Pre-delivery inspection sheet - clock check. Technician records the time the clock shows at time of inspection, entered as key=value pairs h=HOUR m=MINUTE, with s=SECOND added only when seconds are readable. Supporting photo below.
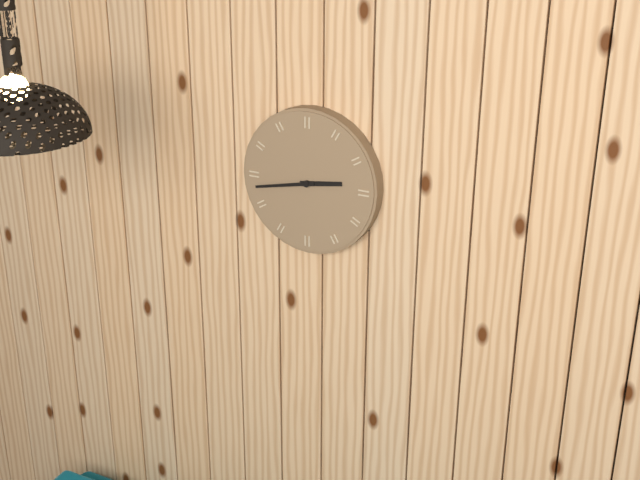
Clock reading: h=2 m=43
